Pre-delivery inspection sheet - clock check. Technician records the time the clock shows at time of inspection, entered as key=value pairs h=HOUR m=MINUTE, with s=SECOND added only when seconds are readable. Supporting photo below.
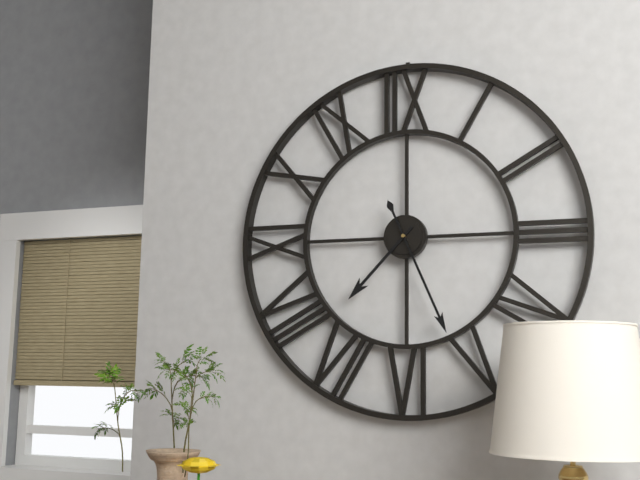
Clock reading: h=7 m=26
